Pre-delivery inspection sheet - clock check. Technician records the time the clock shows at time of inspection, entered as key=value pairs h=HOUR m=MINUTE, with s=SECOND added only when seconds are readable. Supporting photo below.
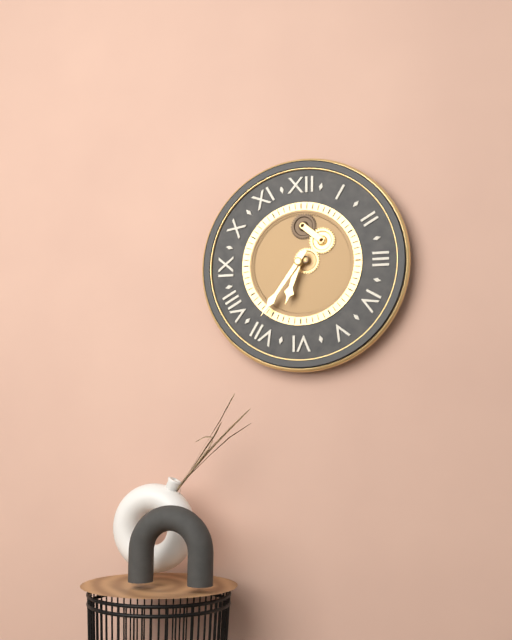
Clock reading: h=6 m=36
